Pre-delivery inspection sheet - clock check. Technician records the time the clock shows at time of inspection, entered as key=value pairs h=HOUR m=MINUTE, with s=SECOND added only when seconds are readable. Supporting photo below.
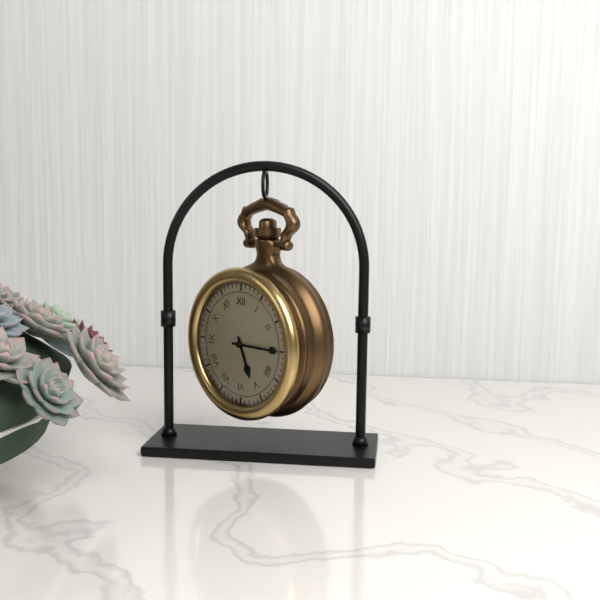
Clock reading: h=5 m=15
